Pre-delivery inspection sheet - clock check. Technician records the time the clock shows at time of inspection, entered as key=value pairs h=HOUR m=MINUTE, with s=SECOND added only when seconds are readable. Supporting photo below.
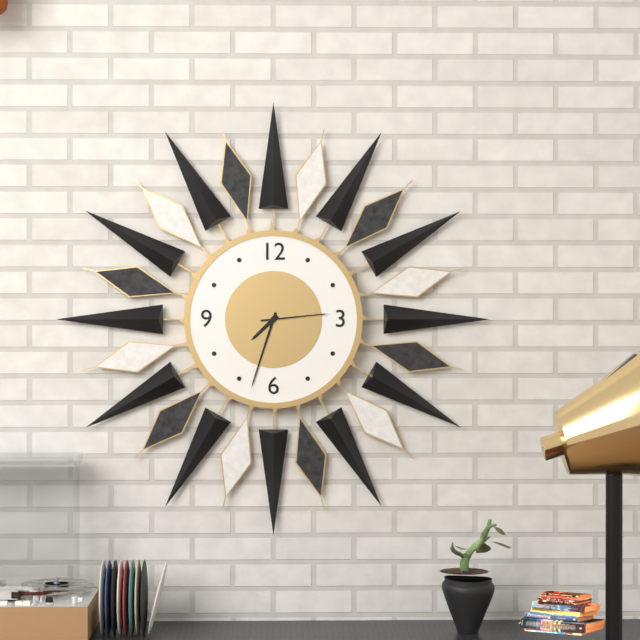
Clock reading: h=7 m=33 s=14
